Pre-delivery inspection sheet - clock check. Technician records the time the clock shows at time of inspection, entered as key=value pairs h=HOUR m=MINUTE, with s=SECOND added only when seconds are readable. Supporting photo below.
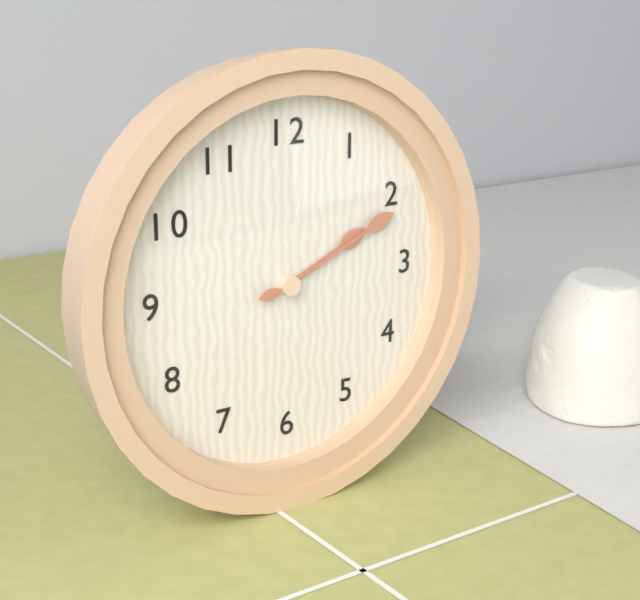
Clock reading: h=2 m=11
